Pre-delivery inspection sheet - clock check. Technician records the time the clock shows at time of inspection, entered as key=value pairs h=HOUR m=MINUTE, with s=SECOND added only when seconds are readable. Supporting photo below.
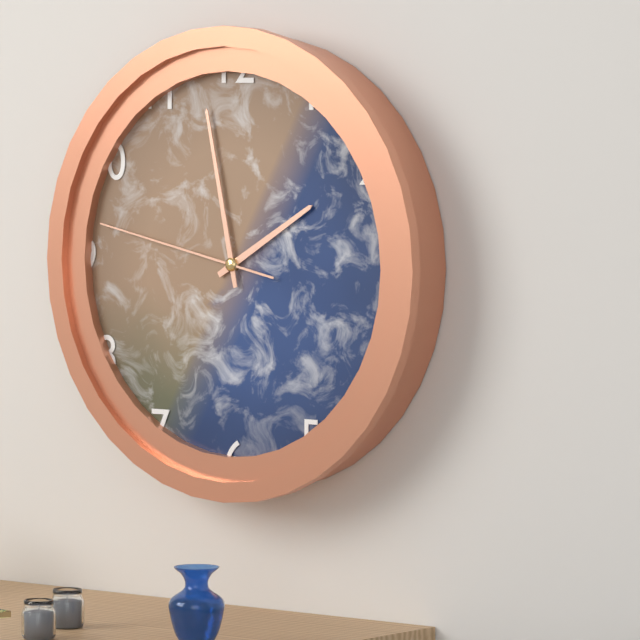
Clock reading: h=1 m=58 s=47
